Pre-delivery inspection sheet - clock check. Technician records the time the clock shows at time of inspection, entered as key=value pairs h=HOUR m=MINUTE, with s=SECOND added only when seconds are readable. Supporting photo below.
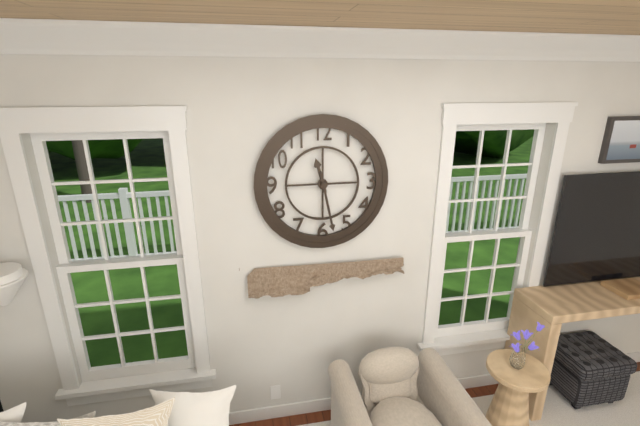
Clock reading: h=11 m=28
